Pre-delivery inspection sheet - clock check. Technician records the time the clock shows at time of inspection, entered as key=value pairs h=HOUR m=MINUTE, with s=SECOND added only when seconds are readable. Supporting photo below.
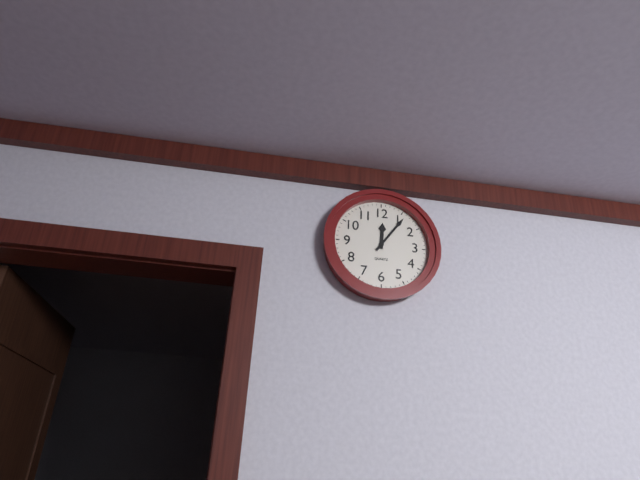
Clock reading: h=12 m=6
